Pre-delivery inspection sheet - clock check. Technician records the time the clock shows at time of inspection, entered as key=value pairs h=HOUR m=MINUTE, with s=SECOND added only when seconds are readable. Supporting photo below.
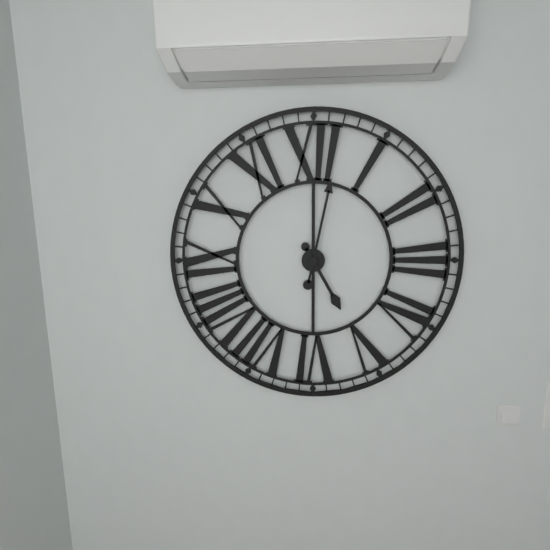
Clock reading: h=5 m=2
